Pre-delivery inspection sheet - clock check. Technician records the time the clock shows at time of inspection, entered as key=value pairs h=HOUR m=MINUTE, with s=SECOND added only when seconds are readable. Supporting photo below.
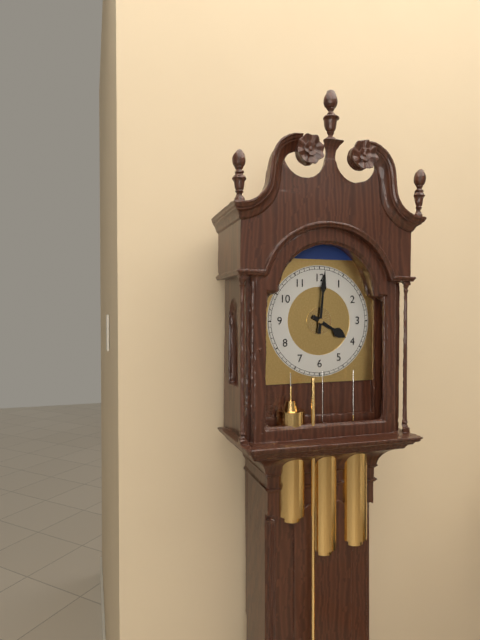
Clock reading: h=4 m=1
